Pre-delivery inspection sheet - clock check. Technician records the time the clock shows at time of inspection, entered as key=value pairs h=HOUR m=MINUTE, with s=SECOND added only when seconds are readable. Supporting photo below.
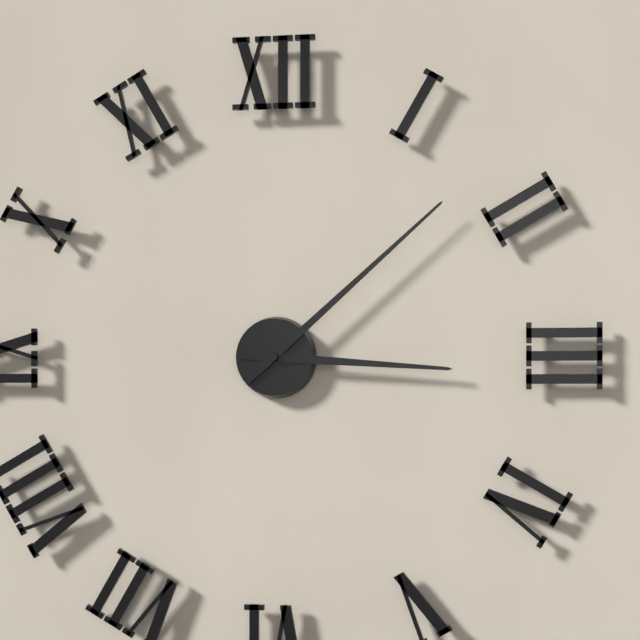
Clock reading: h=3 m=8
